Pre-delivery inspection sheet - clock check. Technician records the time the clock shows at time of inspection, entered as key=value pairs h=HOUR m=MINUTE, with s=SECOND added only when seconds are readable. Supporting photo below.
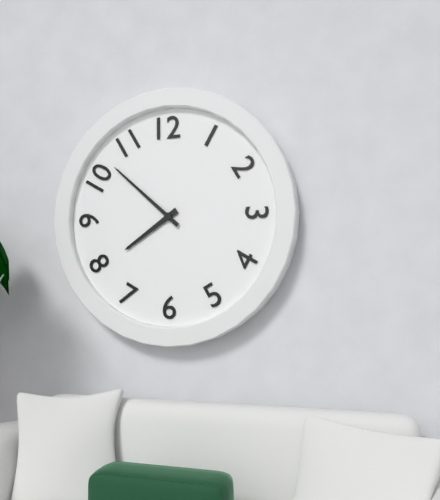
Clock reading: h=7 m=52
